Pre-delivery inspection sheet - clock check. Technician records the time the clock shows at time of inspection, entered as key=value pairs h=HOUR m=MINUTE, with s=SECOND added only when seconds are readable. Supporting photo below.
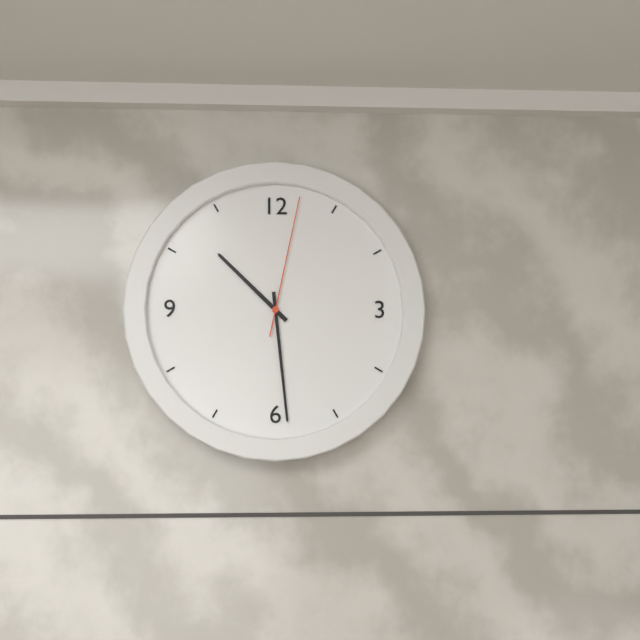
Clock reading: h=10 m=29 s=2
